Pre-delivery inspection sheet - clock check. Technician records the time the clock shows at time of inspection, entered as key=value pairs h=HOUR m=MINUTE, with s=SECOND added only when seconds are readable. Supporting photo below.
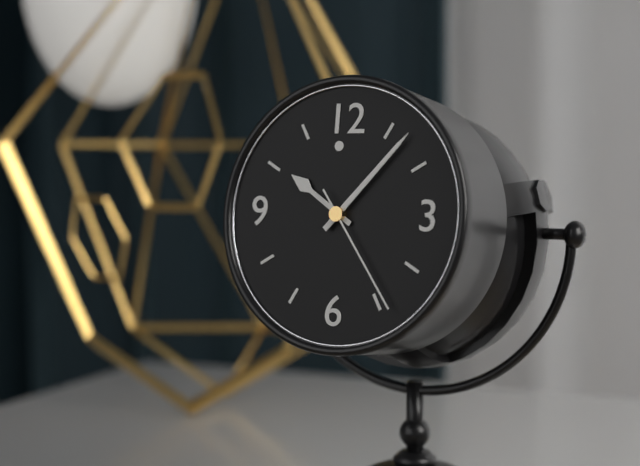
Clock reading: h=10 m=7 s=24
